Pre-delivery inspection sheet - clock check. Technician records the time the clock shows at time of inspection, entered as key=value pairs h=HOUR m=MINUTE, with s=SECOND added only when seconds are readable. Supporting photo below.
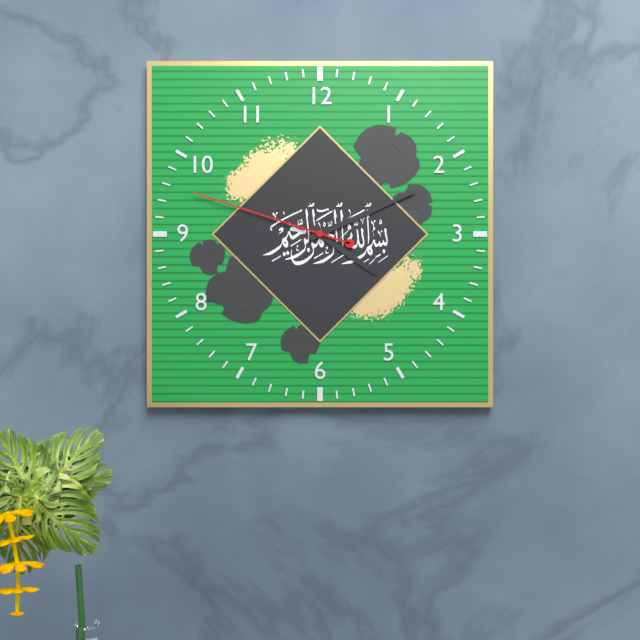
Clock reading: h=4 m=11 s=48
